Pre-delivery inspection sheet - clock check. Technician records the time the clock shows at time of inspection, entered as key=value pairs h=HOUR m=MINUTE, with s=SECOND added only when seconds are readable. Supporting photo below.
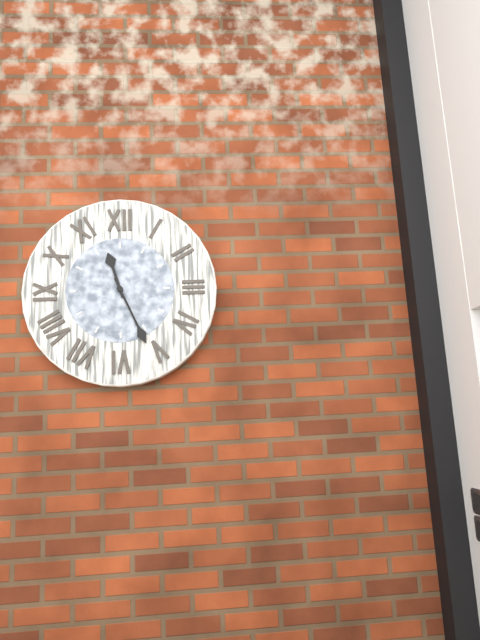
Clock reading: h=11 m=26
